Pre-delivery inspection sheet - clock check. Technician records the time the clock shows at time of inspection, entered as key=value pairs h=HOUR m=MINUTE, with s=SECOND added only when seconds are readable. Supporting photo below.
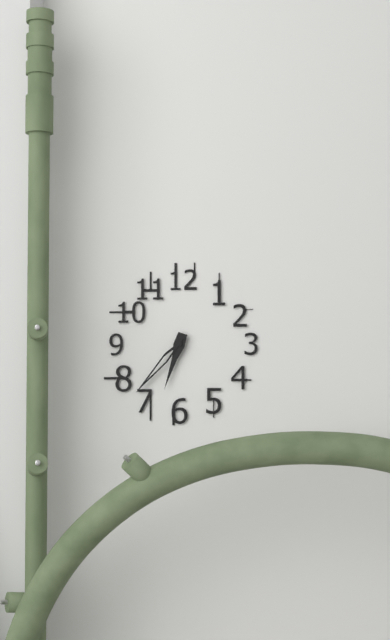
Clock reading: h=6 m=37
